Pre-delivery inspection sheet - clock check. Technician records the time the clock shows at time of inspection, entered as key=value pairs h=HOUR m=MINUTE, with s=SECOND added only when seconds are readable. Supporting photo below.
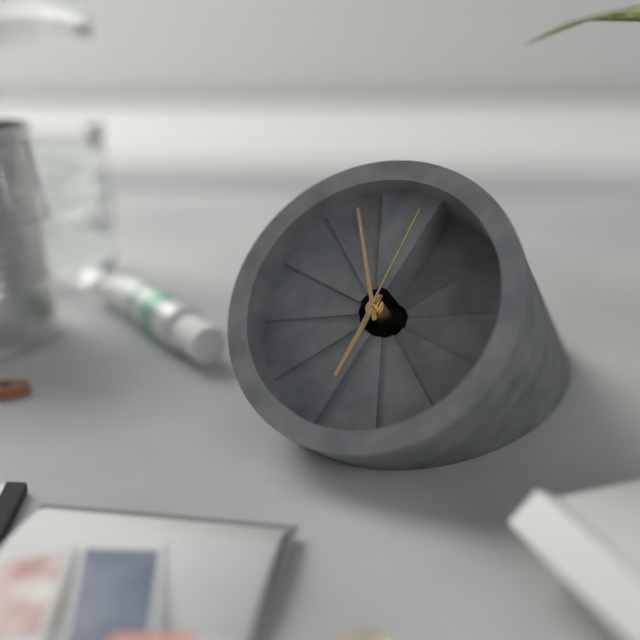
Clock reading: h=5 m=53 s=59
